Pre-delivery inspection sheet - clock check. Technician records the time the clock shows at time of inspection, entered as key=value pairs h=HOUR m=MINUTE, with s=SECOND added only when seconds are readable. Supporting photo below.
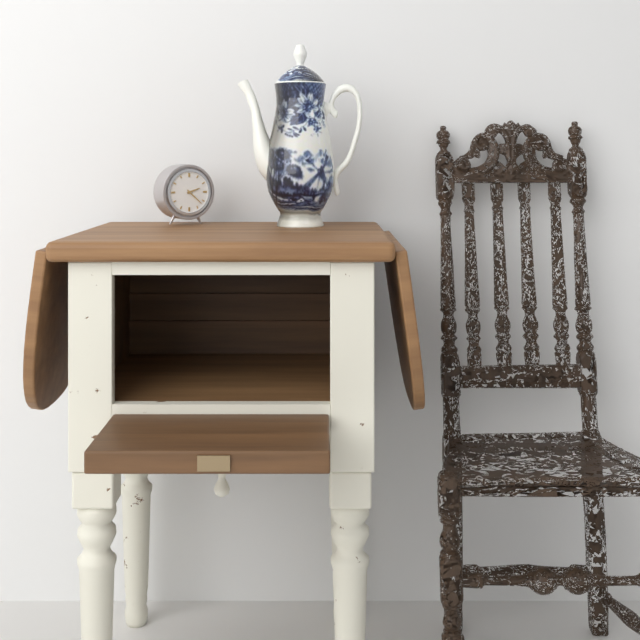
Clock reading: h=2 m=22
